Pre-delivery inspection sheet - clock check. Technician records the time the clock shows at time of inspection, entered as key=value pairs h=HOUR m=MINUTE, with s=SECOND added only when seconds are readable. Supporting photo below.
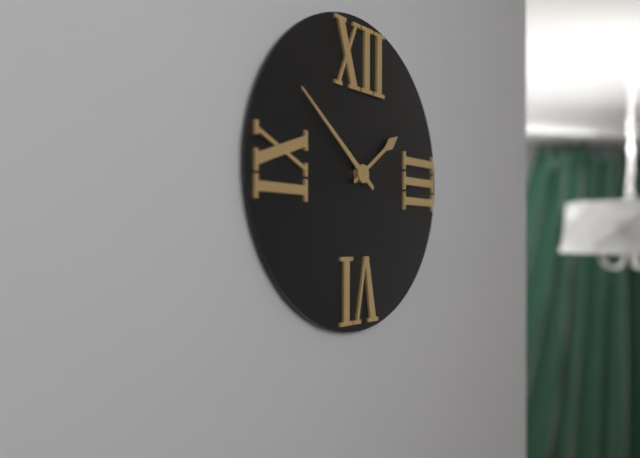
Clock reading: h=1 m=51
